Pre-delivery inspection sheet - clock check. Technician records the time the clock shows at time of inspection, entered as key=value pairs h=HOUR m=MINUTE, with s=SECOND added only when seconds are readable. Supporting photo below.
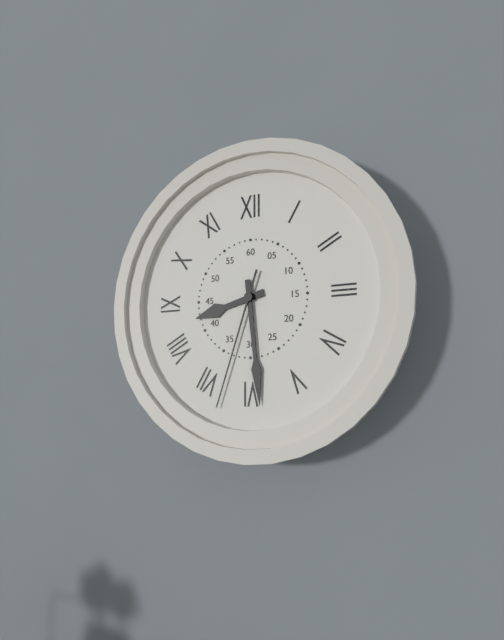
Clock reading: h=8 m=29 s=33
